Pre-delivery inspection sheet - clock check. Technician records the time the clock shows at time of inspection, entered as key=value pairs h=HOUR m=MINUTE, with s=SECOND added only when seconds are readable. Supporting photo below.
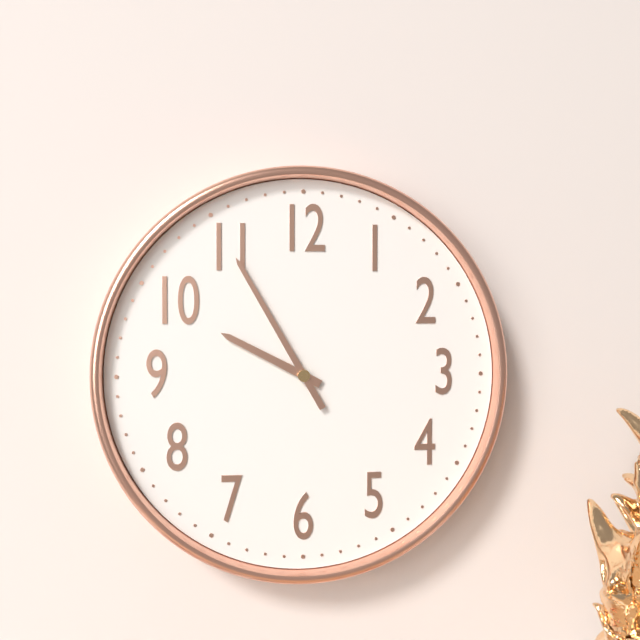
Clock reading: h=9 m=55
